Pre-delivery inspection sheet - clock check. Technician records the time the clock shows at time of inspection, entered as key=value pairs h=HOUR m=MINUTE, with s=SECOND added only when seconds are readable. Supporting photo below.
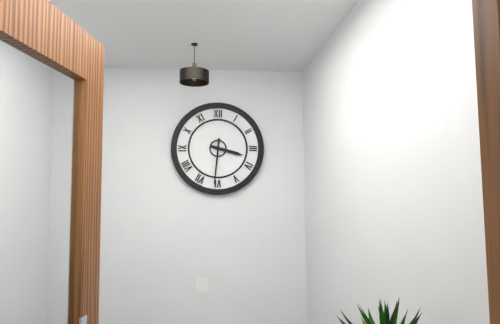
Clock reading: h=3 m=31
